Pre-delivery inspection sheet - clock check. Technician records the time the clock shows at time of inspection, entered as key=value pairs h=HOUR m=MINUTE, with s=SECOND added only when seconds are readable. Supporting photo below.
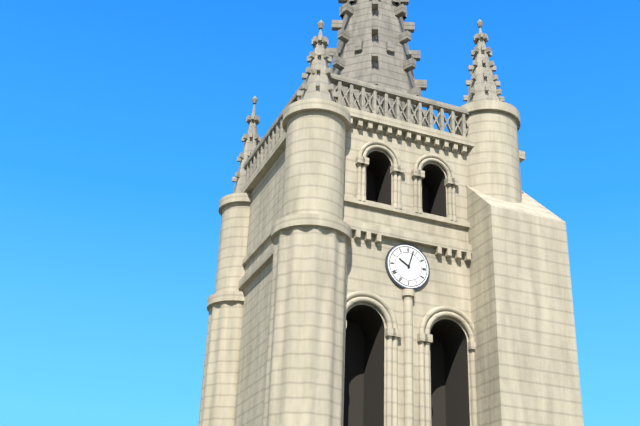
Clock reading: h=10 m=3
